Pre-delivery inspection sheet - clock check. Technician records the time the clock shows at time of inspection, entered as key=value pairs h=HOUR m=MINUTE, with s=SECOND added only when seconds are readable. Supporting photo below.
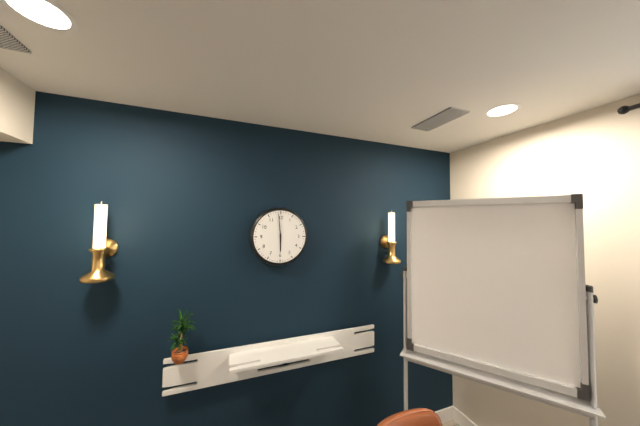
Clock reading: h=5 m=59
